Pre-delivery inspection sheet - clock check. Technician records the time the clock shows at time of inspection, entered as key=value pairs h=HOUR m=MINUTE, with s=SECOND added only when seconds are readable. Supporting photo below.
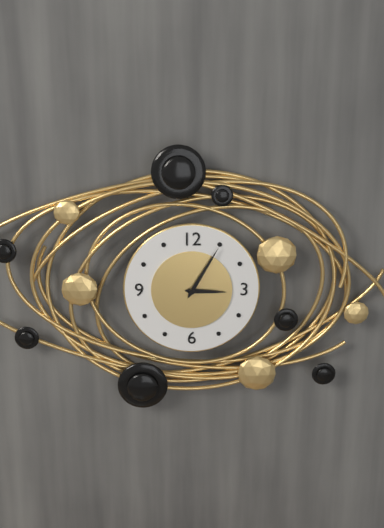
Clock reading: h=3 m=5
